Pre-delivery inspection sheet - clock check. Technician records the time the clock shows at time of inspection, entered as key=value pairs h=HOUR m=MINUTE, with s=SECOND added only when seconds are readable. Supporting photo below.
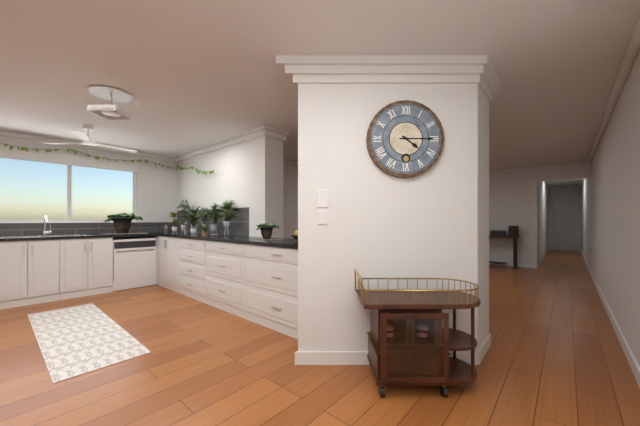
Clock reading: h=4 m=15
